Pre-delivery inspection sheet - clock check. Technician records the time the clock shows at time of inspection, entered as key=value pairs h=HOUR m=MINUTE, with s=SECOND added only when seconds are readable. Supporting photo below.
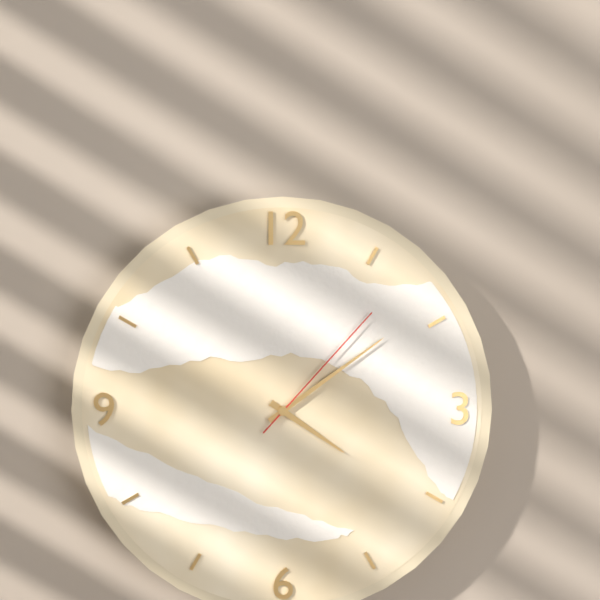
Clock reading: h=4 m=9 s=7
